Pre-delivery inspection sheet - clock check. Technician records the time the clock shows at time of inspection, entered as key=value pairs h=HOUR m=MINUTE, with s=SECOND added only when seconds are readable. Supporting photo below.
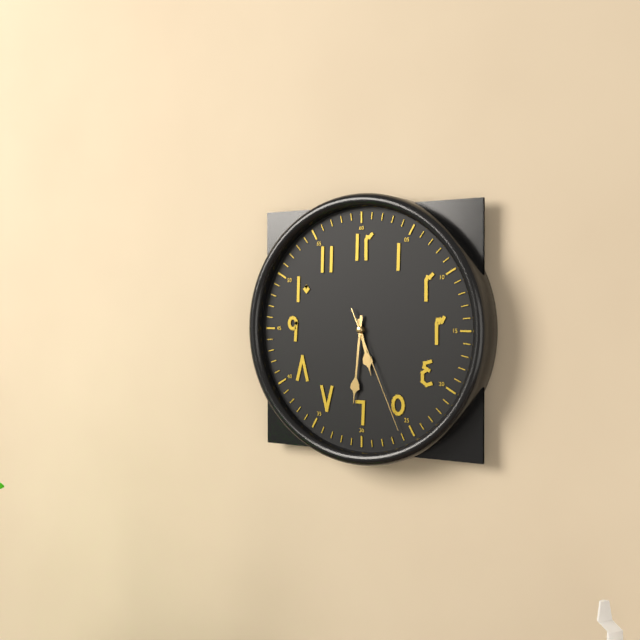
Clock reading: h=5 m=31 s=26
